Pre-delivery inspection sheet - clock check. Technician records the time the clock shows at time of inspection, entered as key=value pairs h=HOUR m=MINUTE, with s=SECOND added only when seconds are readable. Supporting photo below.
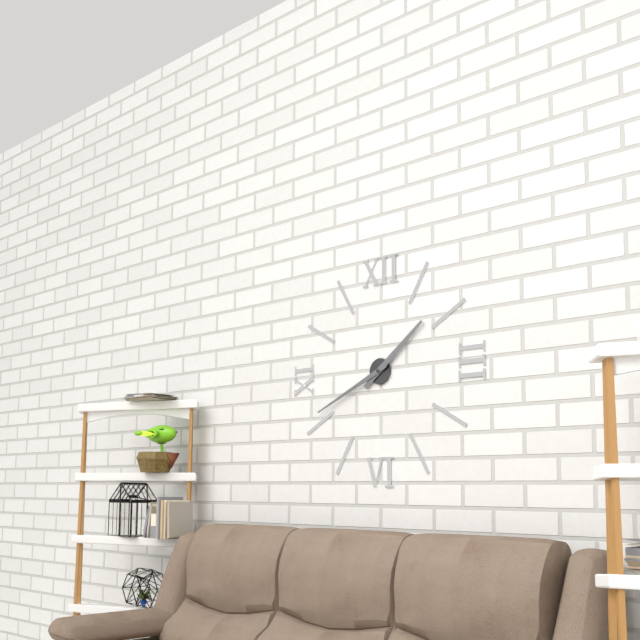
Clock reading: h=1 m=41
